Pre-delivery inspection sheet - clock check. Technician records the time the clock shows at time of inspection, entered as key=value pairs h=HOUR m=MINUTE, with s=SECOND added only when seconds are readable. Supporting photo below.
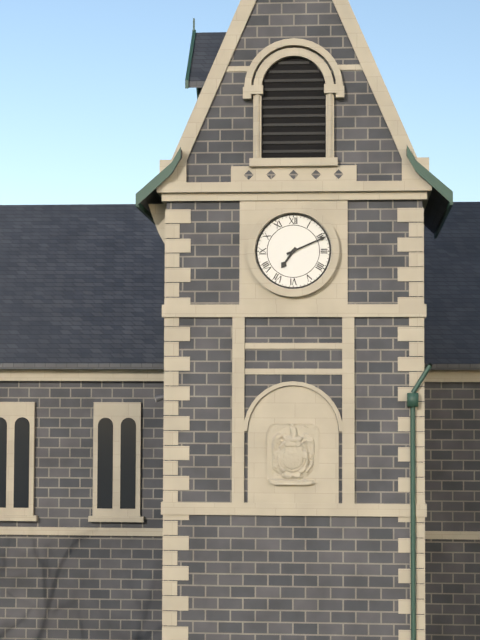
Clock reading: h=7 m=11
